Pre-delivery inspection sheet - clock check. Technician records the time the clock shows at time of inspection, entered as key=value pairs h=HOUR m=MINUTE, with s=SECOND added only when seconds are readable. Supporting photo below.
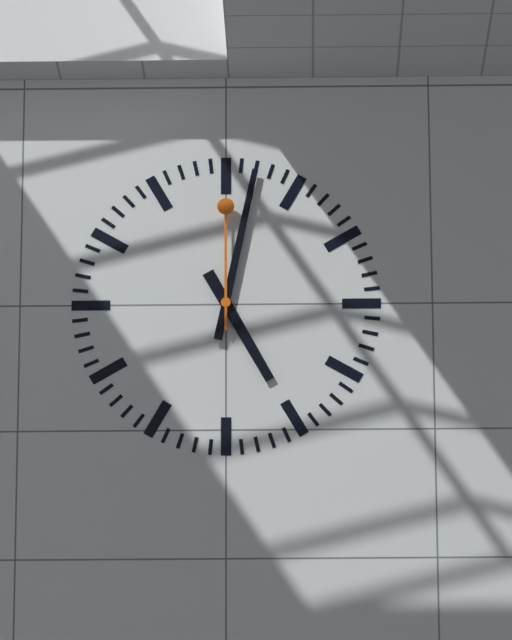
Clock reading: h=5 m=2 s=0
